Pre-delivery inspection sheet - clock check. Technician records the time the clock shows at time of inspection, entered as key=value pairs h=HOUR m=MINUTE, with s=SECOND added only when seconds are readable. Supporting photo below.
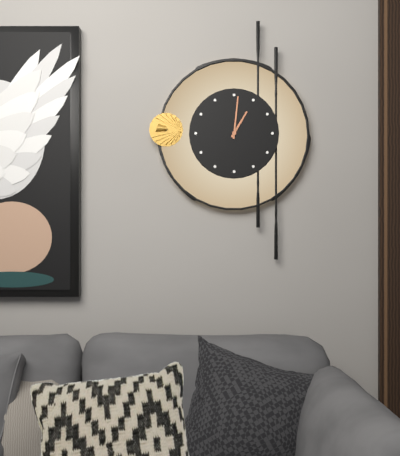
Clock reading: h=1 m=1
